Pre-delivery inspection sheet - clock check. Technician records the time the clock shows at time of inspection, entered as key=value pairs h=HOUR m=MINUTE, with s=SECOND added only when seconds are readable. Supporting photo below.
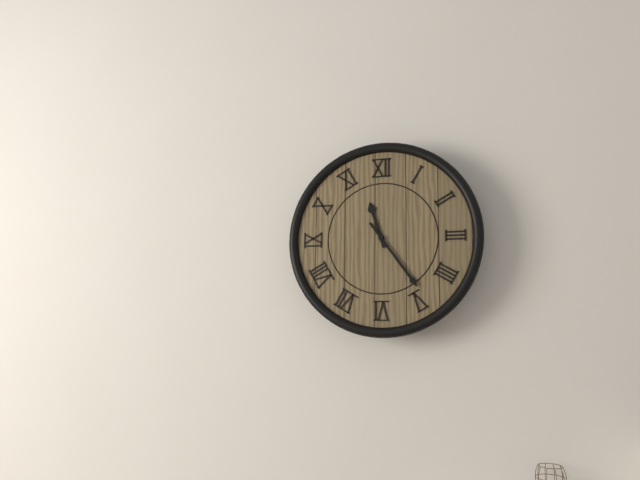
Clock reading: h=11 m=24
